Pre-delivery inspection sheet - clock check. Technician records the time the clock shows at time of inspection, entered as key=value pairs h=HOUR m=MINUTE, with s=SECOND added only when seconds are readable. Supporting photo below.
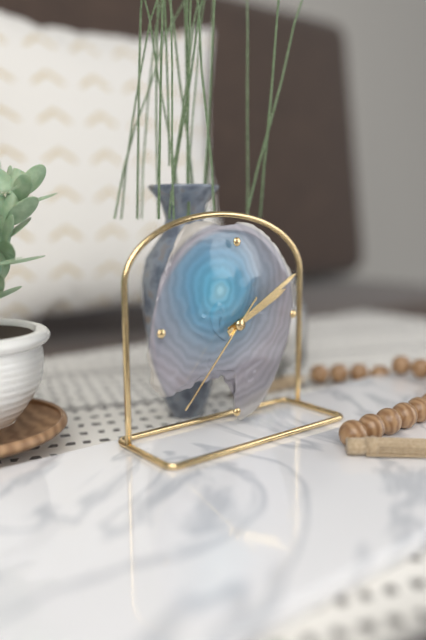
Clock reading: h=2 m=10 s=37
